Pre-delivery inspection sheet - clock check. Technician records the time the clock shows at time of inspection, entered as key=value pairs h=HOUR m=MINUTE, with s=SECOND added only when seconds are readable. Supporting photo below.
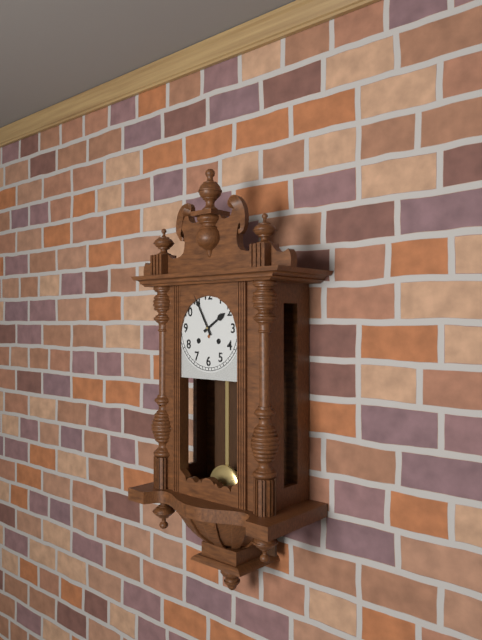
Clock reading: h=1 m=55
